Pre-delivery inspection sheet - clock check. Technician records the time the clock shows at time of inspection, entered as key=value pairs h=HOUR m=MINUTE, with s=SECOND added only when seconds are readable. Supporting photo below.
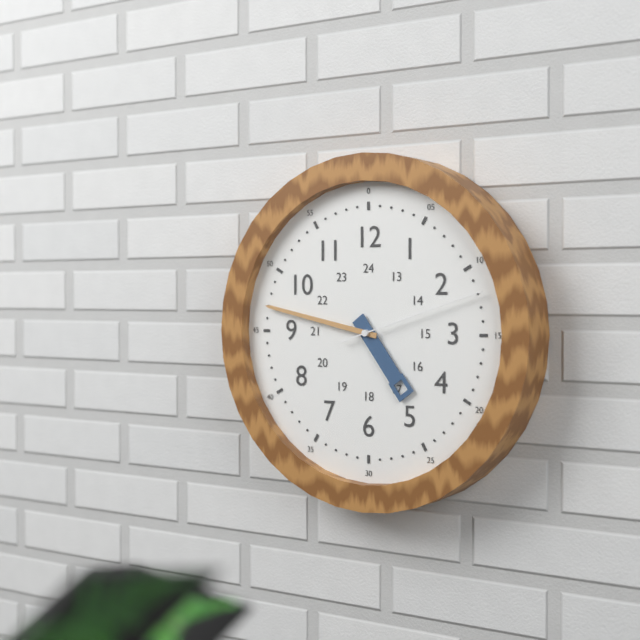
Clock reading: h=4 m=47 s=12
